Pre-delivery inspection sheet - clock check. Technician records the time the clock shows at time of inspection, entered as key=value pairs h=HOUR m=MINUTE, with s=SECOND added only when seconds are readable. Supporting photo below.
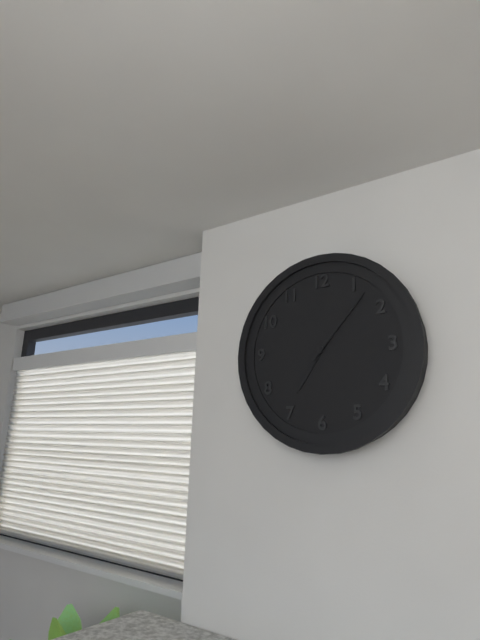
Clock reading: h=7 m=7
